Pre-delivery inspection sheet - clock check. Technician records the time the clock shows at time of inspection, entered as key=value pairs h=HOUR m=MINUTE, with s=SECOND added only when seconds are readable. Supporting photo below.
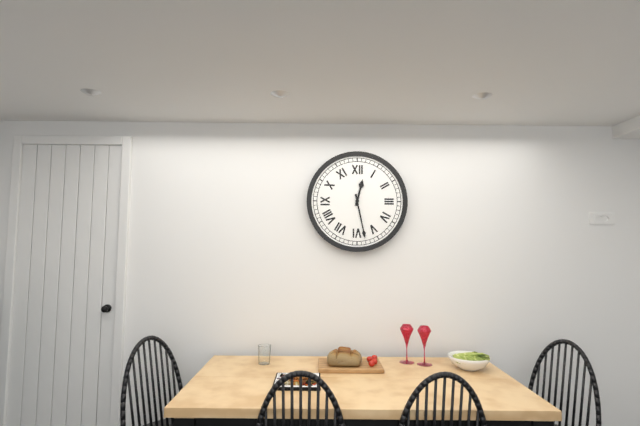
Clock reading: h=12 m=28
